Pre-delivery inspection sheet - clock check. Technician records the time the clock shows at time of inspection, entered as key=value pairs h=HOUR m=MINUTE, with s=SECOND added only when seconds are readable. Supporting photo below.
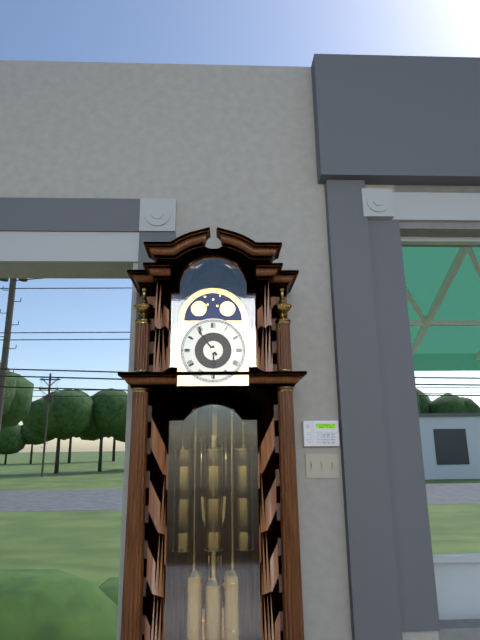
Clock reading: h=5 m=54
